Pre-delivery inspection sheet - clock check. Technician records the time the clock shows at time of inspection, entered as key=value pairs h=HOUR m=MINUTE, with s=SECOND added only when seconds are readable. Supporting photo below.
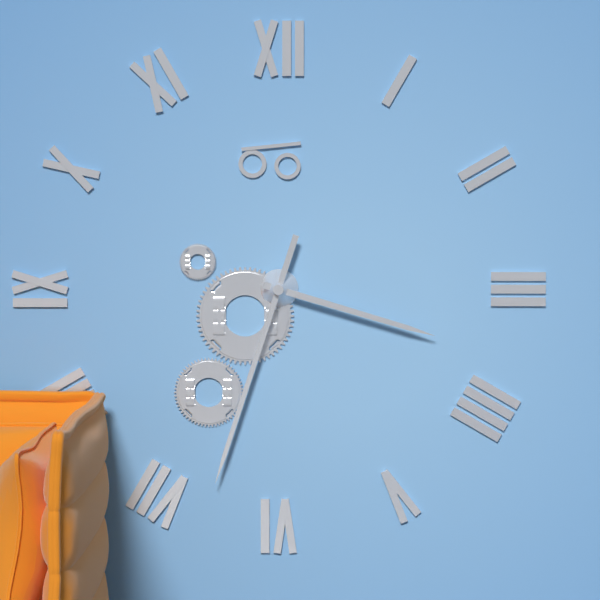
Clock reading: h=3 m=33
